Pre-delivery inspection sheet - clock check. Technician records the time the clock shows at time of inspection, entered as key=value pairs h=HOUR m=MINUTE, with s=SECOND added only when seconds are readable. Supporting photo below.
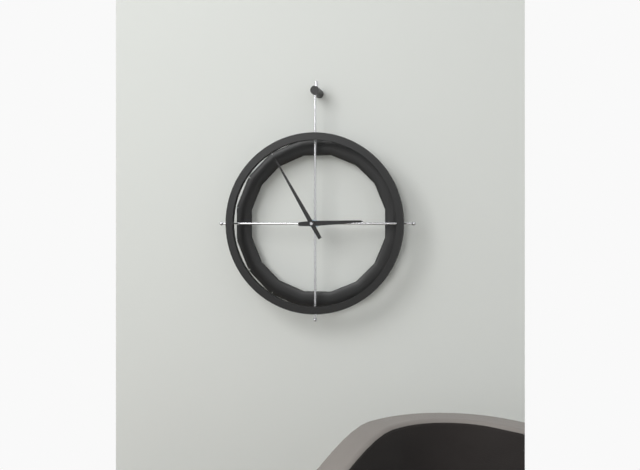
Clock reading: h=2 m=55
